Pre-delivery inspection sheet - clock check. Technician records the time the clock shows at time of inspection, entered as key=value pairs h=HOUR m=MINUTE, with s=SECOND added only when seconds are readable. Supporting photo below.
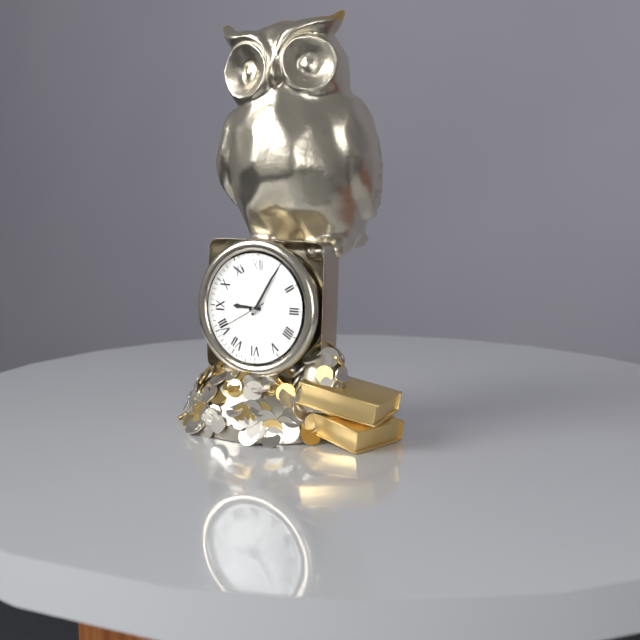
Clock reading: h=9 m=5 s=40
